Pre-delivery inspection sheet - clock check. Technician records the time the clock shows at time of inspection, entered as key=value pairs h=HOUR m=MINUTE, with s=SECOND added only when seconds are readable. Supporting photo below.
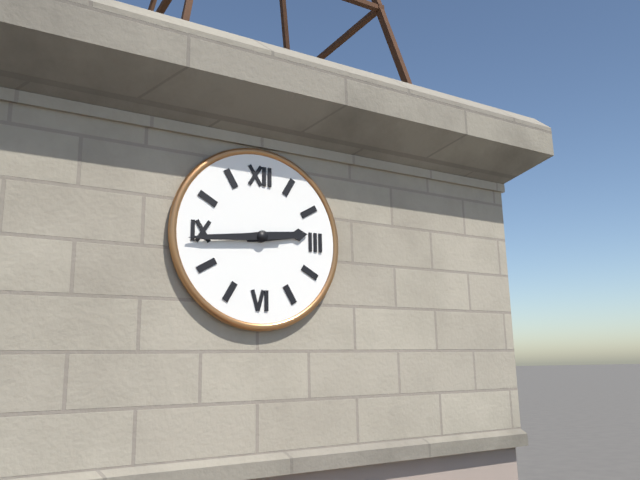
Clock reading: h=2 m=44
